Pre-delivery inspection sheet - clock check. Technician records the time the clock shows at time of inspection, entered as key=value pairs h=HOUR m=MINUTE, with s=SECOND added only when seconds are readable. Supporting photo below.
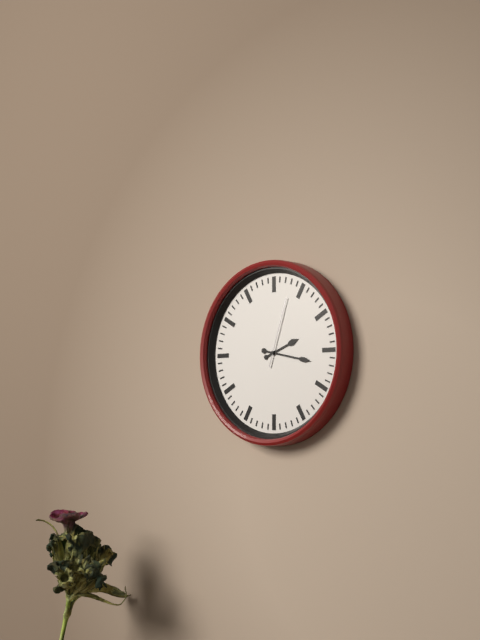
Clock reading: h=2 m=17 s=3
